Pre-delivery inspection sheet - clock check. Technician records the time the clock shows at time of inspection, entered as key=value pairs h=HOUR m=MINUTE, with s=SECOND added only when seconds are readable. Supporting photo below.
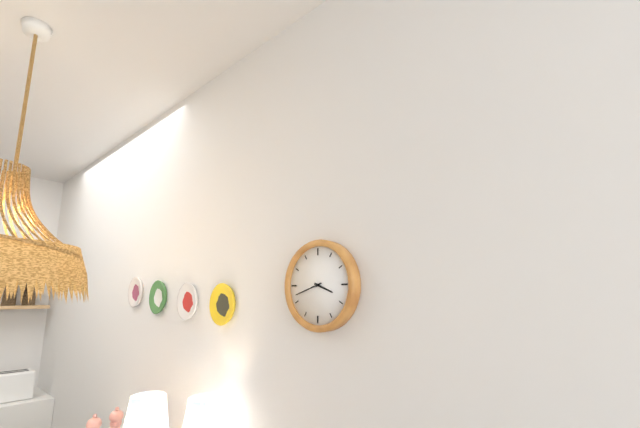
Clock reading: h=3 m=42
